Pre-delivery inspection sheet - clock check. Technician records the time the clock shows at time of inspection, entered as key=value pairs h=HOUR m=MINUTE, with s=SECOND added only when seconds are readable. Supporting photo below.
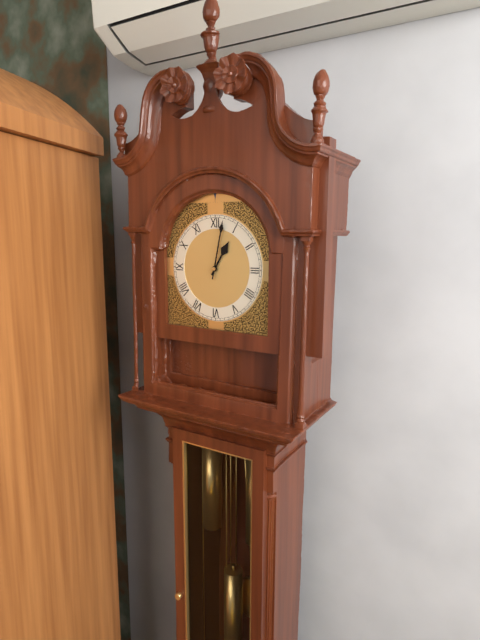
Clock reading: h=1 m=2
